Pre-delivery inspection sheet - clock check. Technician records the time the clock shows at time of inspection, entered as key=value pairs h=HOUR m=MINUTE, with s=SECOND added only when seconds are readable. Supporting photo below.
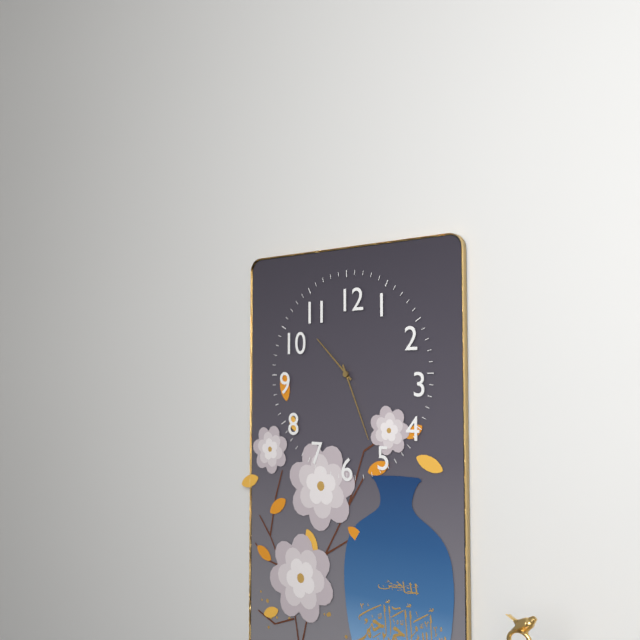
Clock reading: h=10 m=26
